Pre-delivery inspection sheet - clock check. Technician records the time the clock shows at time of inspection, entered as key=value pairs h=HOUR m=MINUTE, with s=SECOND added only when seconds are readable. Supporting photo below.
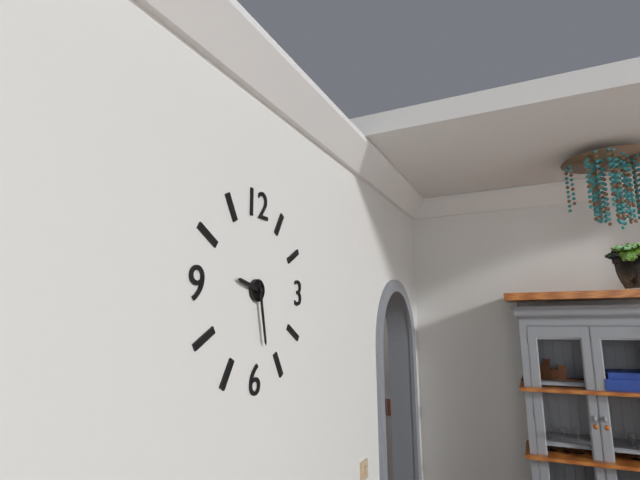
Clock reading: h=9 m=28
